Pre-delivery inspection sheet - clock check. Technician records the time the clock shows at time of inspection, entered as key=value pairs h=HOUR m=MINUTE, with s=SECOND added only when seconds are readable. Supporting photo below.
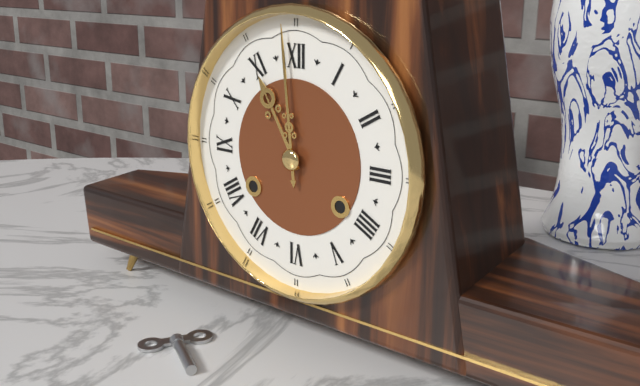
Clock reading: h=10 m=59
